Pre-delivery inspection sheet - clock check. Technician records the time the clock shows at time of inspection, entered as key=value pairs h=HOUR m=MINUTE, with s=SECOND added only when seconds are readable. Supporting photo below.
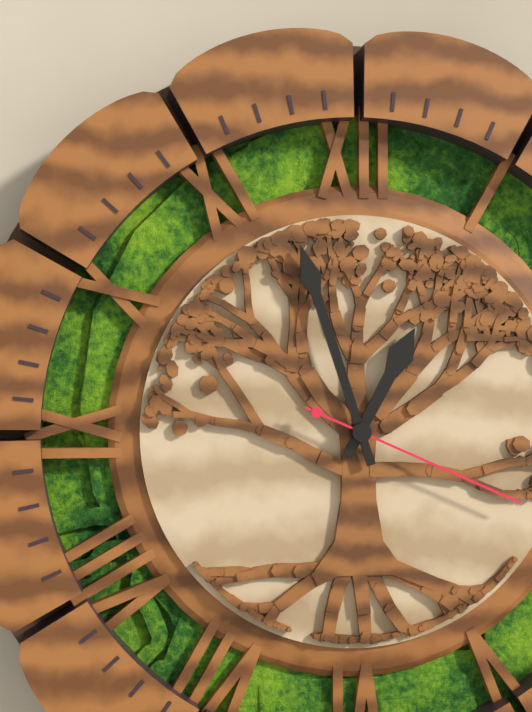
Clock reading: h=12 m=57 s=19
